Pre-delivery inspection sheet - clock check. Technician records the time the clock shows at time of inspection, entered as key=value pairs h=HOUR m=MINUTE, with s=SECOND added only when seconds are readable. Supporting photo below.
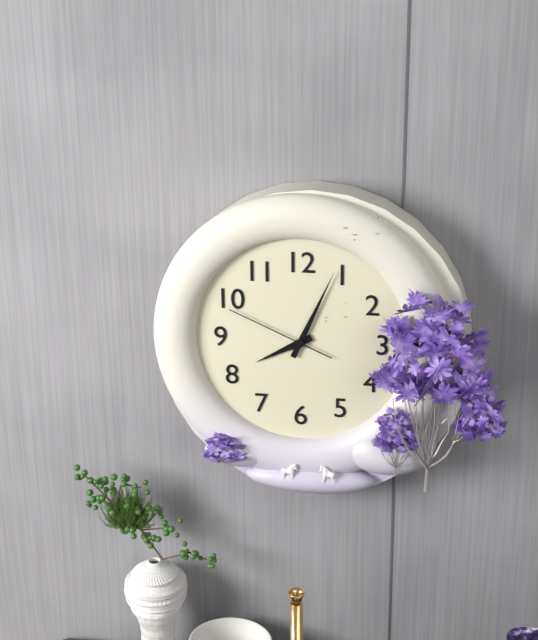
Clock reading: h=8 m=4 s=49
